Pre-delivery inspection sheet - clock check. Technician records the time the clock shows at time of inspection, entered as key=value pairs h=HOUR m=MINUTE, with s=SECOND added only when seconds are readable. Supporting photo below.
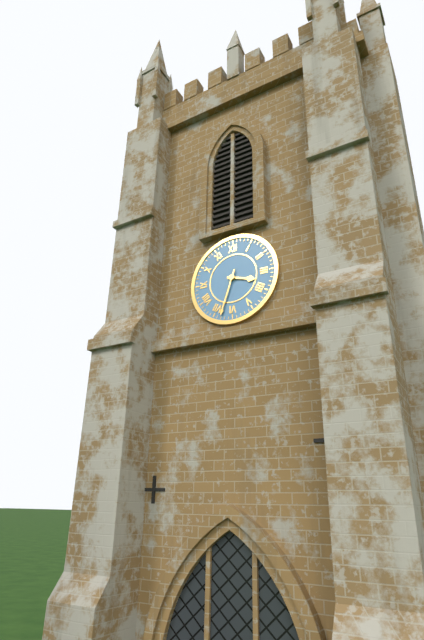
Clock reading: h=3 m=33
